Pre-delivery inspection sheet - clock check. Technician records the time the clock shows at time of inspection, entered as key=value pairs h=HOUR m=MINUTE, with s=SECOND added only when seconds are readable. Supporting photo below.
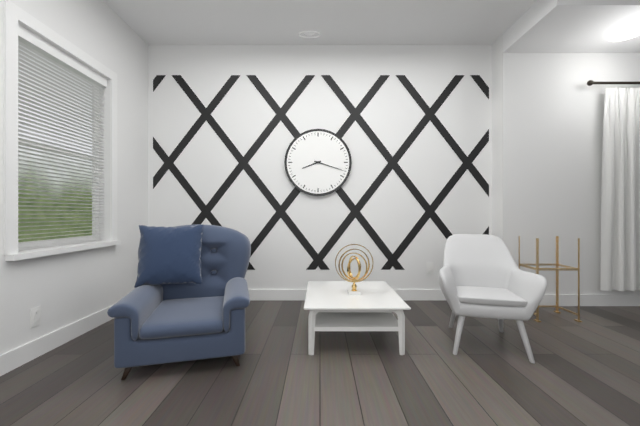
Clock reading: h=8 m=18
